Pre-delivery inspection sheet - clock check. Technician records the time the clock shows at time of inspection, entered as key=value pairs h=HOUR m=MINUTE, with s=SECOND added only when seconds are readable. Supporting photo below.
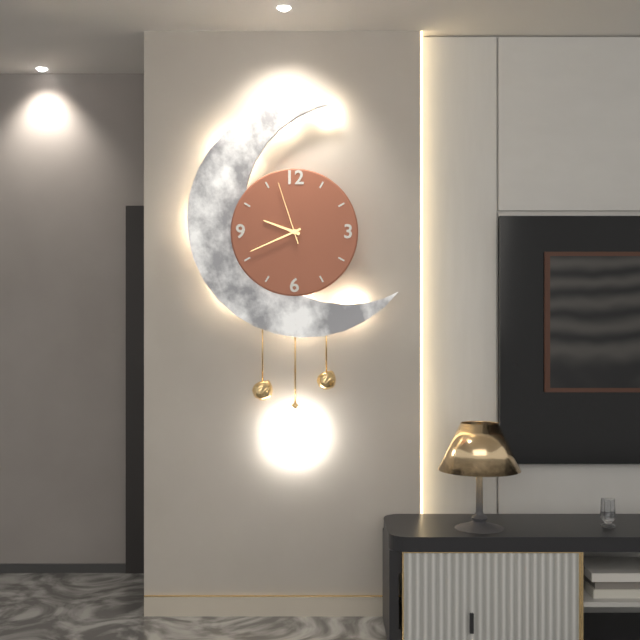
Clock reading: h=9 m=41 s=57
